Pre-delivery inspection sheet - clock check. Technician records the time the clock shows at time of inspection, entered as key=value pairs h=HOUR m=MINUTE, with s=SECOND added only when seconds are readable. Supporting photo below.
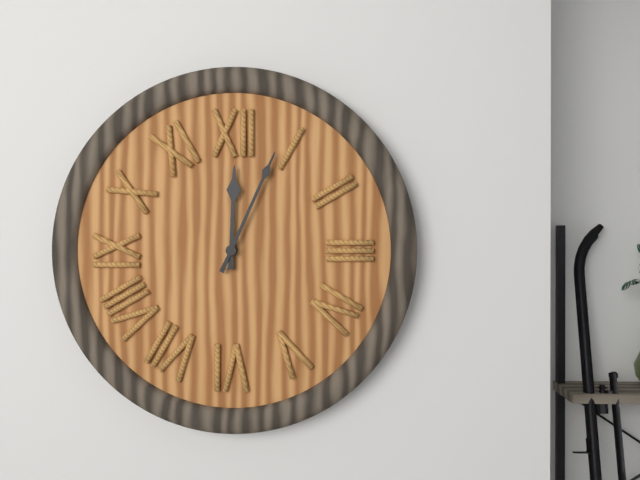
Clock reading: h=12 m=4
